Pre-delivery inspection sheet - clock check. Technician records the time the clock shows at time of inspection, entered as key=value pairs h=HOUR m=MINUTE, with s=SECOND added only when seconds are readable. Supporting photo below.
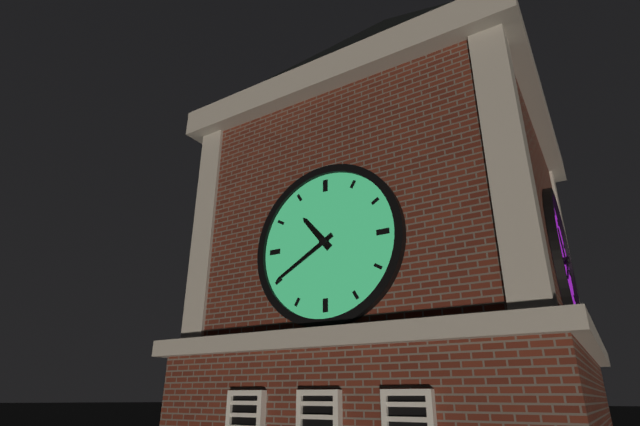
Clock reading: h=10 m=40
